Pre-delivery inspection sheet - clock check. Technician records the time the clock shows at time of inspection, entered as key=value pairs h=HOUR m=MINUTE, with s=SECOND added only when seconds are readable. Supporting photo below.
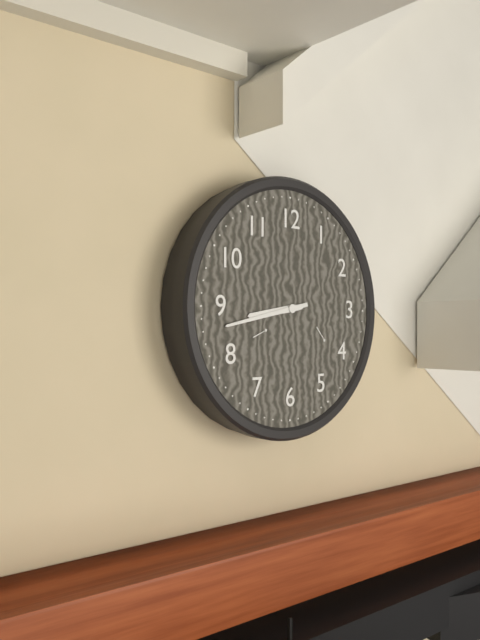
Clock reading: h=8 m=43
